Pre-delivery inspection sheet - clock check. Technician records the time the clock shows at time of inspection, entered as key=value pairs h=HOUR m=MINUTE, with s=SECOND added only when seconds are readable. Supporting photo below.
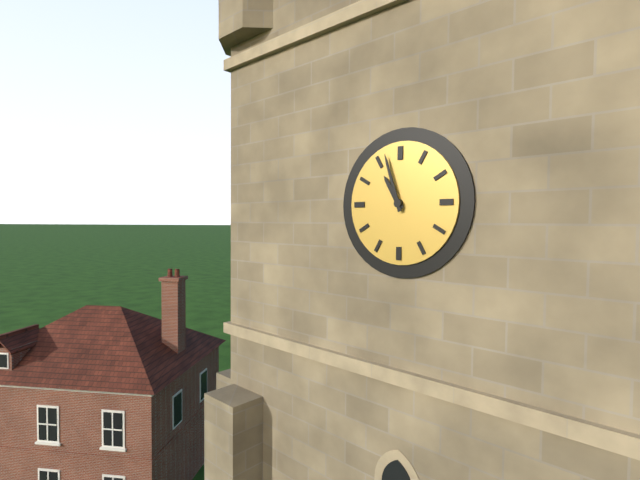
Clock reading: h=10 m=57
